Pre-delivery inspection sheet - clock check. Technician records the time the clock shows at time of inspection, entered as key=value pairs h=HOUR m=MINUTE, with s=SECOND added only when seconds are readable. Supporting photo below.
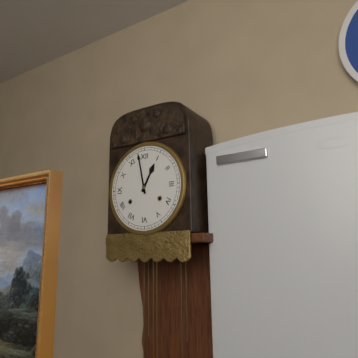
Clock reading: h=12 m=58
